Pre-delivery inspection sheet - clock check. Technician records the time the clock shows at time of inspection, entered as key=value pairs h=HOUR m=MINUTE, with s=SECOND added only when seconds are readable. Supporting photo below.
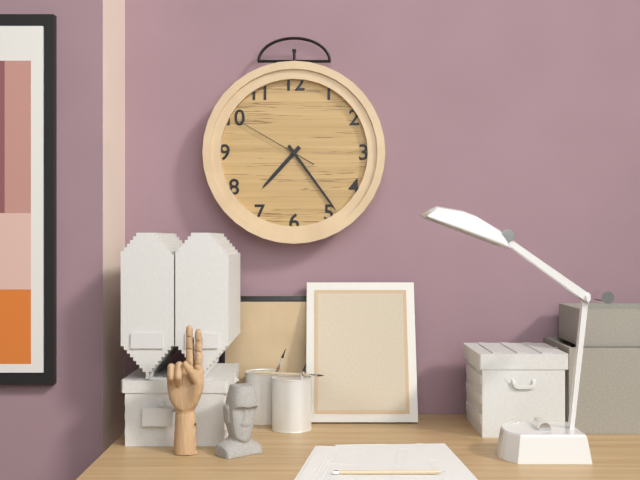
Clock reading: h=7 m=24 s=50
